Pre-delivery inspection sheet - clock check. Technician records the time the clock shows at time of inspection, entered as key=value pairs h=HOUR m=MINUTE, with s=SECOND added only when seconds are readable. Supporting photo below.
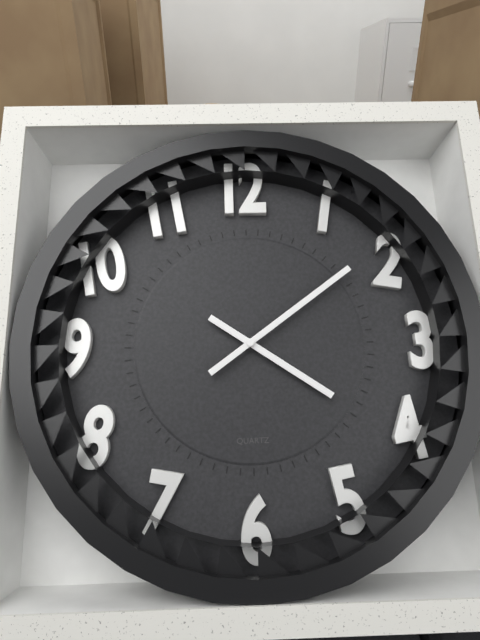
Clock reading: h=4 m=9
